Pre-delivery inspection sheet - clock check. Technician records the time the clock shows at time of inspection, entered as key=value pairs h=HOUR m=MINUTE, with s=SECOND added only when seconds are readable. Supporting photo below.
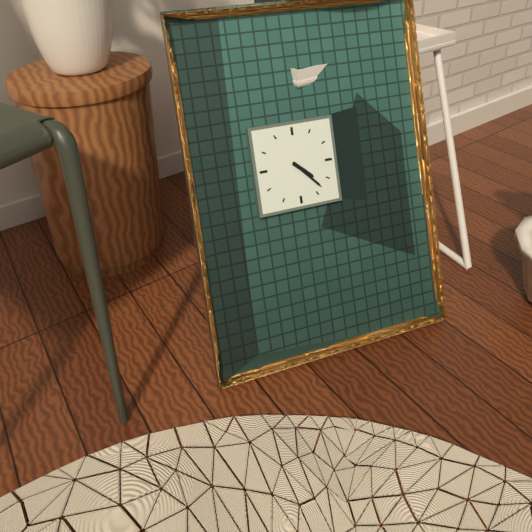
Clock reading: h=4 m=23
